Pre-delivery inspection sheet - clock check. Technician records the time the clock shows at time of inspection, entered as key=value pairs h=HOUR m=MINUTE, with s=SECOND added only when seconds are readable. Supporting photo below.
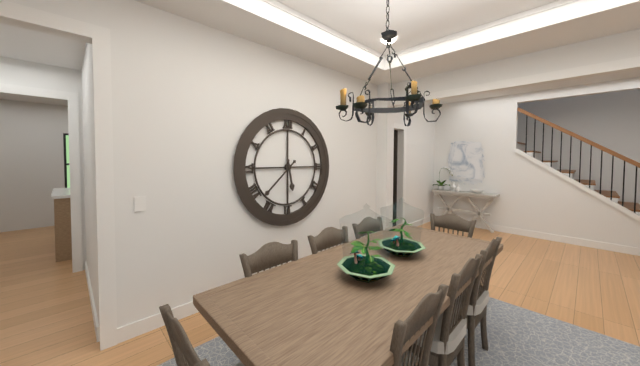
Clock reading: h=5 m=38
